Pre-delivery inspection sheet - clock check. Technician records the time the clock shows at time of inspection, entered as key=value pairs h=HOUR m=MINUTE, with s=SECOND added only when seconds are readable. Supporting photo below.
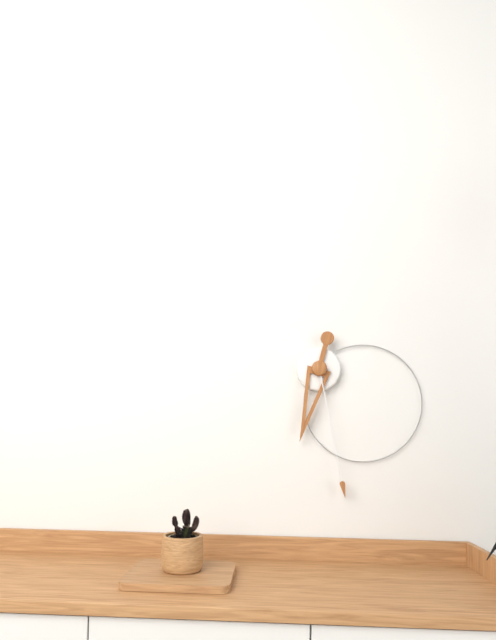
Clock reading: h=6 m=28
